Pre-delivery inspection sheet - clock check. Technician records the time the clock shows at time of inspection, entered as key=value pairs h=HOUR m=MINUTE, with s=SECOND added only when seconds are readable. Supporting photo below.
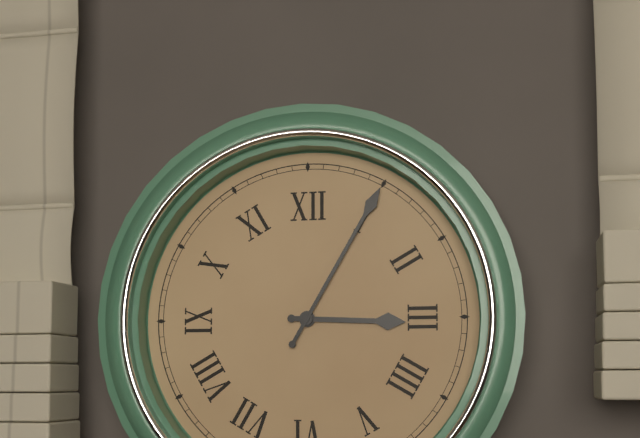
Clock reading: h=3 m=5
